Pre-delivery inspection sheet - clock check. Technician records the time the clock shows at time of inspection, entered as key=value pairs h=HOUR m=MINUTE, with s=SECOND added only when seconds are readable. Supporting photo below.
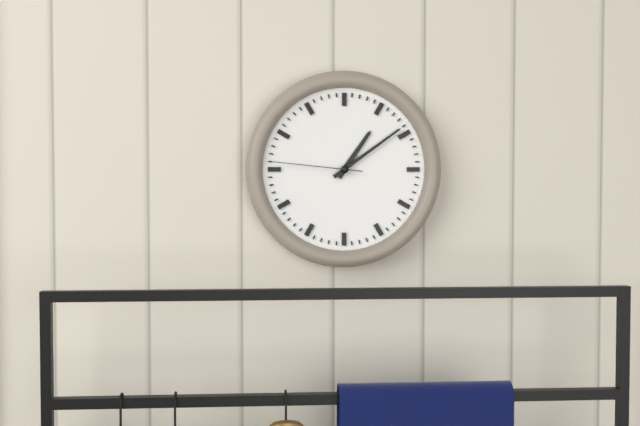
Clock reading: h=1 m=9 s=46
